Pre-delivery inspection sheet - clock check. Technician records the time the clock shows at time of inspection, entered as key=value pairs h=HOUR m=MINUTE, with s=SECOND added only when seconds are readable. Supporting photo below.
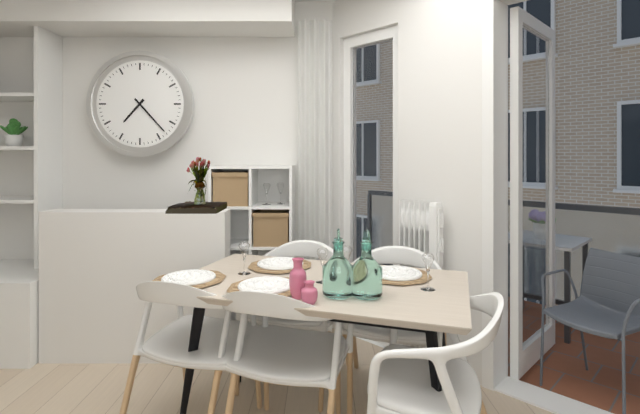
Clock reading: h=7 m=23
